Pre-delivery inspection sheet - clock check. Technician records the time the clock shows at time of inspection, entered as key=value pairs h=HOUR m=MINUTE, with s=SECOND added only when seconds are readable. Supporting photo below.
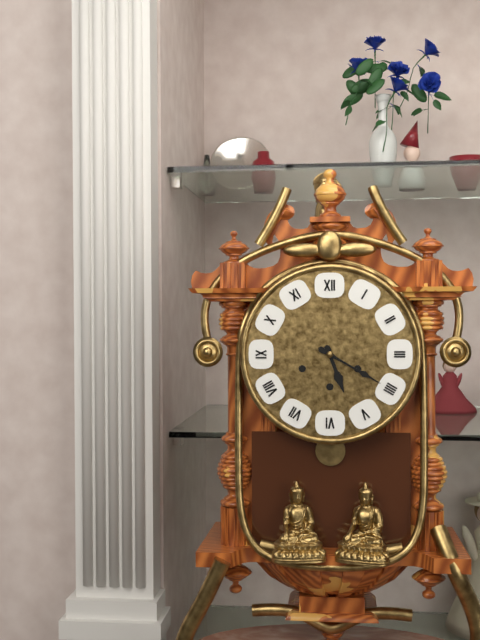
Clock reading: h=5 m=20
